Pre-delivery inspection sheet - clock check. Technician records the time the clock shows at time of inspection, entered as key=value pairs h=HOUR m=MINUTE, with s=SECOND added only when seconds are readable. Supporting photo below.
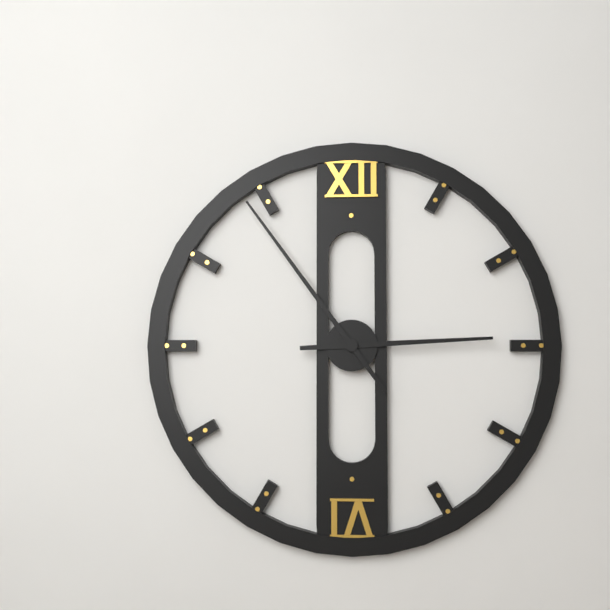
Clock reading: h=2 m=54
